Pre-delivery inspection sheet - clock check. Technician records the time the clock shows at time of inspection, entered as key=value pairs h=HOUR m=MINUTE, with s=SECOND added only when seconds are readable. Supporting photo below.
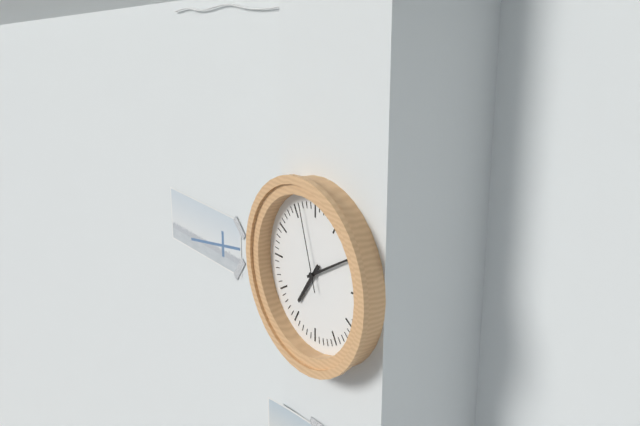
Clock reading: h=7 m=10 s=57
